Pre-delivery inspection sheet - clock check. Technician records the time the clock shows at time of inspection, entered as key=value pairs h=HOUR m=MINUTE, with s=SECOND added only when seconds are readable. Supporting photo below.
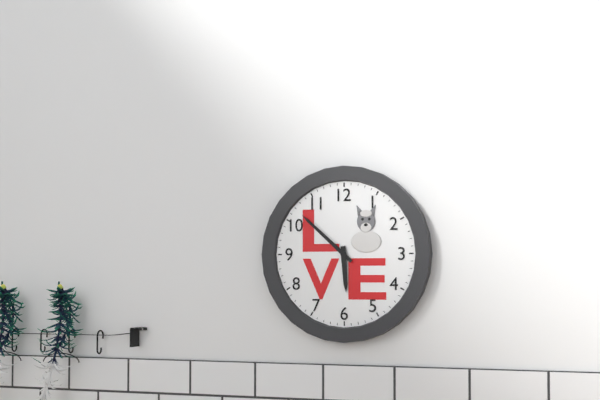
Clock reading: h=5 m=52
